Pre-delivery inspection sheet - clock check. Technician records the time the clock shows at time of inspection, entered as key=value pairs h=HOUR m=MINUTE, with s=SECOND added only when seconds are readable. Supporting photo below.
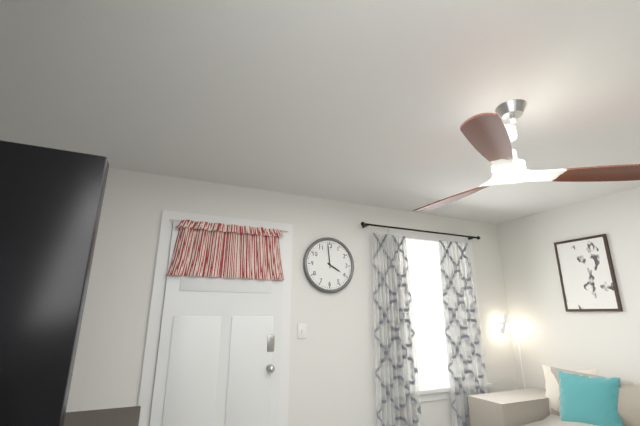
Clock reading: h=3 m=59
